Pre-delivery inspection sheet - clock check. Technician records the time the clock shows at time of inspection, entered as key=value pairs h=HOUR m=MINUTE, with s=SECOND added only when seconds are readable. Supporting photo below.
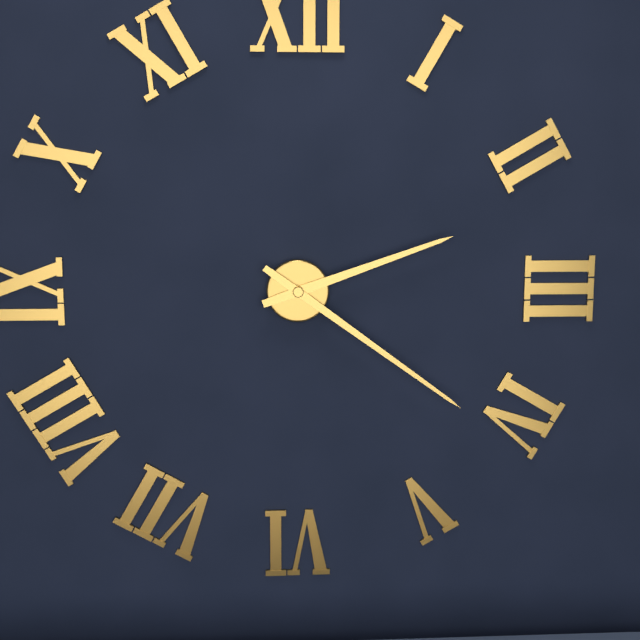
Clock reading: h=2 m=21
